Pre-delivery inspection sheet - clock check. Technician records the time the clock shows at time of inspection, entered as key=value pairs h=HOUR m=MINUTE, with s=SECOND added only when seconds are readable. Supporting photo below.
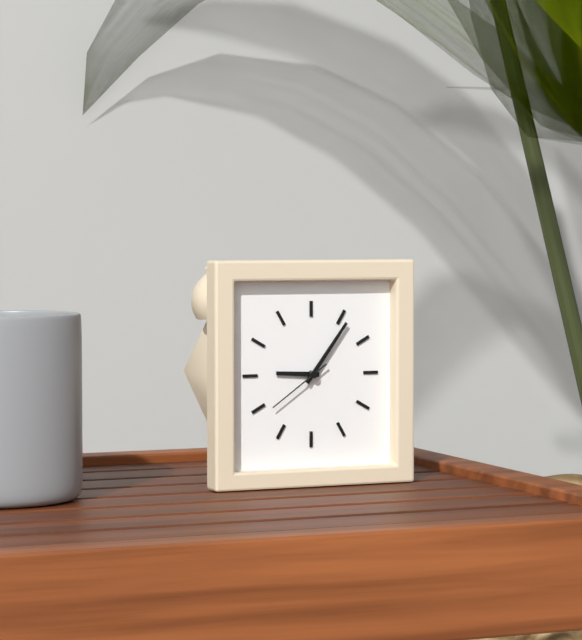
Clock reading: h=9 m=6 s=39
